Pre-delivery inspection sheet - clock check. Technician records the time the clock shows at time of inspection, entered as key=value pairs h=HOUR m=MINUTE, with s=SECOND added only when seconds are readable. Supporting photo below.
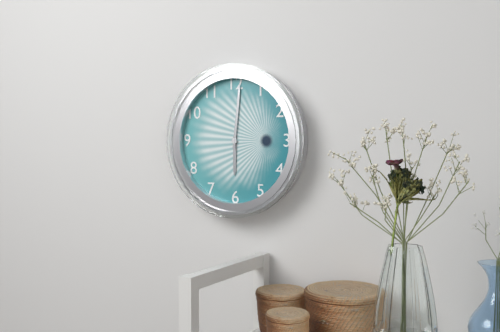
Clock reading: h=6 m=1
